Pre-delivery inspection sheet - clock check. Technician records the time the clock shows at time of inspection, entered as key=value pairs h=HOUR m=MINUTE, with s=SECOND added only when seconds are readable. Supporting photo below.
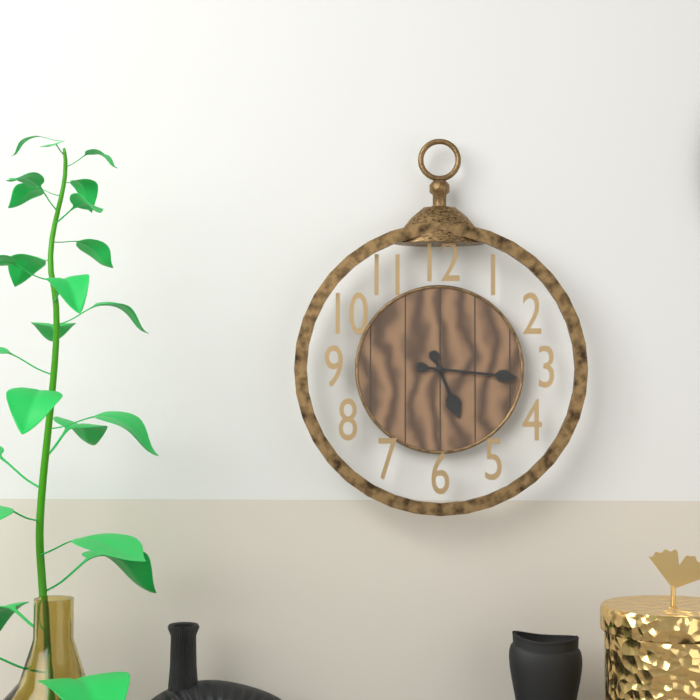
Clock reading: h=5 m=16
